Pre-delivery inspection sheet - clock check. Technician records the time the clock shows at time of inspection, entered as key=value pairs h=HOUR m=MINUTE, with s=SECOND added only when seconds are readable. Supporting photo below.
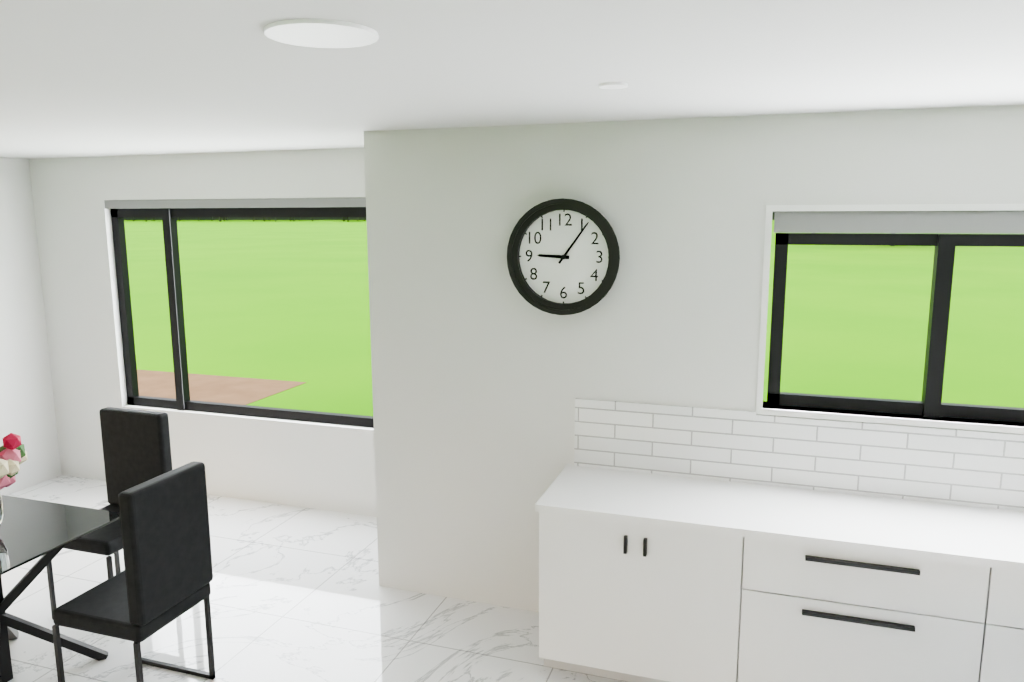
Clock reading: h=9 m=6
